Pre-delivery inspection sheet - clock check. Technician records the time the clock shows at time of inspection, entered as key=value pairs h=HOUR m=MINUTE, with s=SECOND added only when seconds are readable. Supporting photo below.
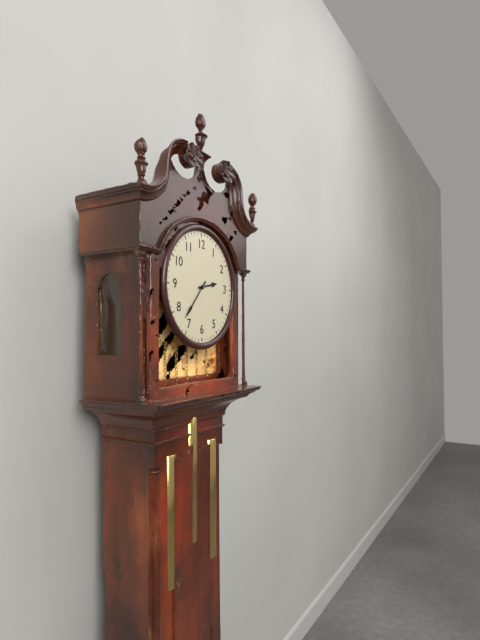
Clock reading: h=2 m=37
